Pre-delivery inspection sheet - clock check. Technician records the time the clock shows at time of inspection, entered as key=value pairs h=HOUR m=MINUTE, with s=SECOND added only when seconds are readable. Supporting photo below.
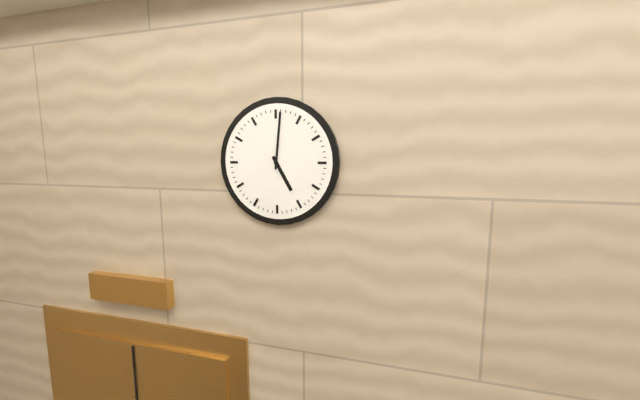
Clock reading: h=5 m=1
